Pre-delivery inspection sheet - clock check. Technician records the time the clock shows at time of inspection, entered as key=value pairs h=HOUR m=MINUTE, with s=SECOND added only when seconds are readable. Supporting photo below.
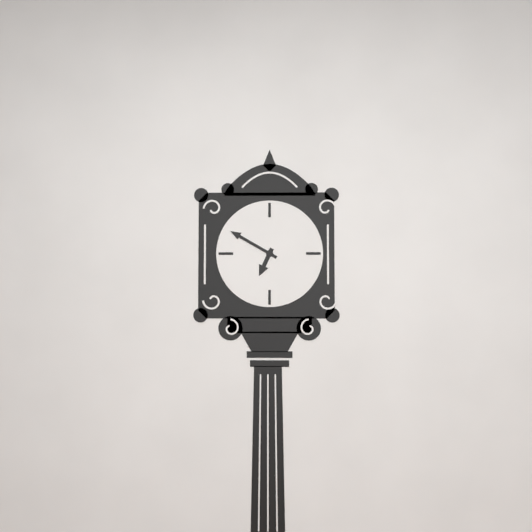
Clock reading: h=6 m=50
